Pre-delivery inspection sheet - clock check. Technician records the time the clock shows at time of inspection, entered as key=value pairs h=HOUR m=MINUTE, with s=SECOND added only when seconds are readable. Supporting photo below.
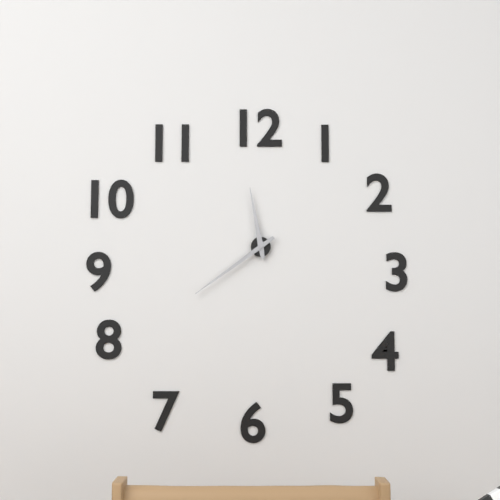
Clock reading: h=11 m=39
